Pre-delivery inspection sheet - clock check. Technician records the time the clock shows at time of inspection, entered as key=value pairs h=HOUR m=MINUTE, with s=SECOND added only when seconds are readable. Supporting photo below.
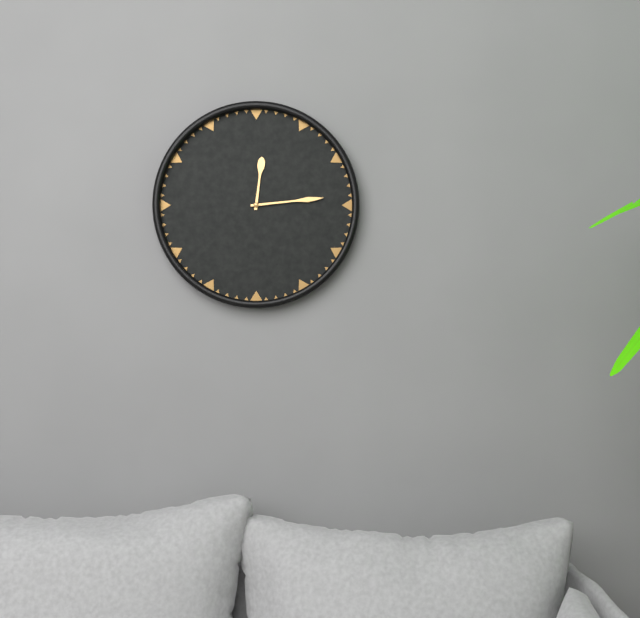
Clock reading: h=12 m=14
